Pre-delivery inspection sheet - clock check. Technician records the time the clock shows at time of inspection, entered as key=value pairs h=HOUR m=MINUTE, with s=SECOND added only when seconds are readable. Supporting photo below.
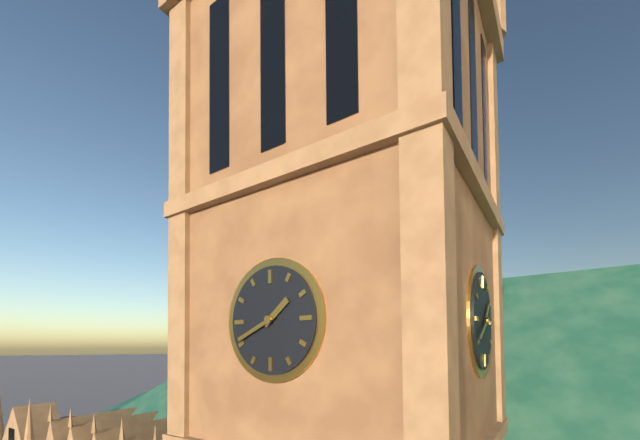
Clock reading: h=1 m=41
